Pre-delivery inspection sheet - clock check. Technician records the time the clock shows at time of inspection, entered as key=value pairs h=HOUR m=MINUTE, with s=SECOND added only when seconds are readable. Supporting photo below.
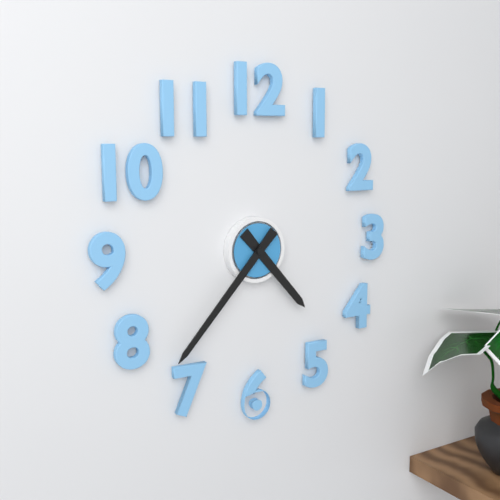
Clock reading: h=4 m=37
